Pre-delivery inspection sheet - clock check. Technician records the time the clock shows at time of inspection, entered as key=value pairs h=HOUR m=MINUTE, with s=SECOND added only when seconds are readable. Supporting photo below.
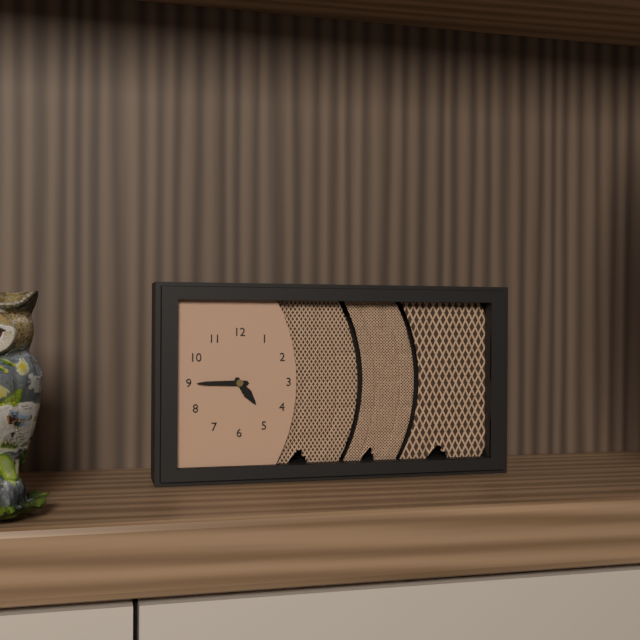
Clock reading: h=4 m=45
